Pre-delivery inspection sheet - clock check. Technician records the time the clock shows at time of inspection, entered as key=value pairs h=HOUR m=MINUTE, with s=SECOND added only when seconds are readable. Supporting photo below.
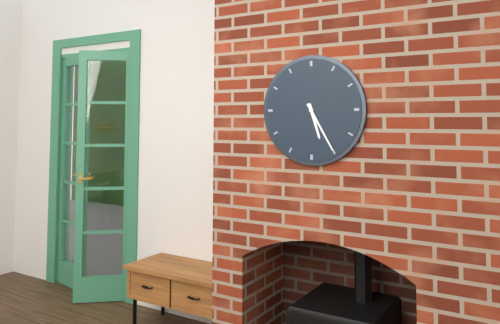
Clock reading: h=5 m=25
